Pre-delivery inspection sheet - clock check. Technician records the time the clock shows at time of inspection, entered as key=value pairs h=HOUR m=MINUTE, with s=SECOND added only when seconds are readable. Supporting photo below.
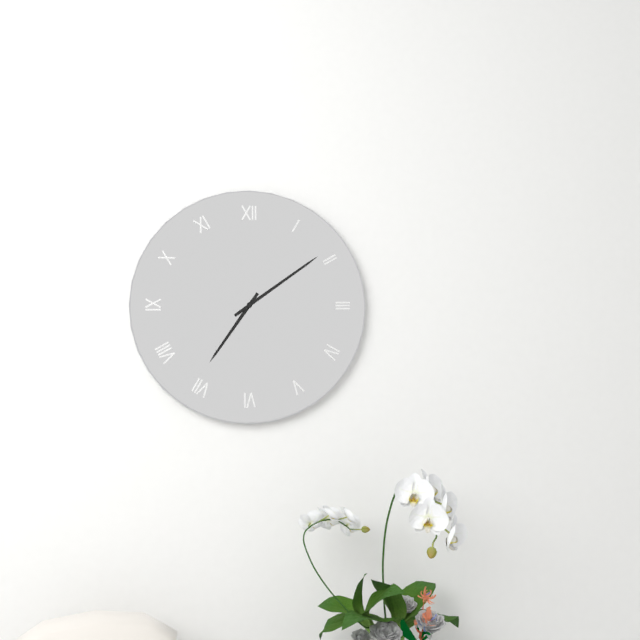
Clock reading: h=7 m=9
